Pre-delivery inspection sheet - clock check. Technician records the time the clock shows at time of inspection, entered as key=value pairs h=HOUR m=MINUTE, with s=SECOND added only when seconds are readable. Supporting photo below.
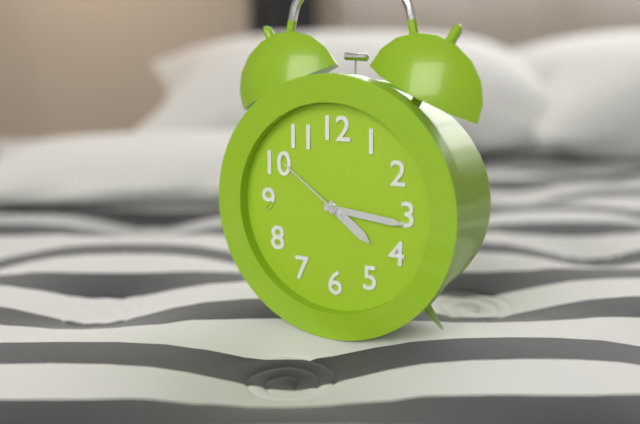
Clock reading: h=4 m=16 s=51
